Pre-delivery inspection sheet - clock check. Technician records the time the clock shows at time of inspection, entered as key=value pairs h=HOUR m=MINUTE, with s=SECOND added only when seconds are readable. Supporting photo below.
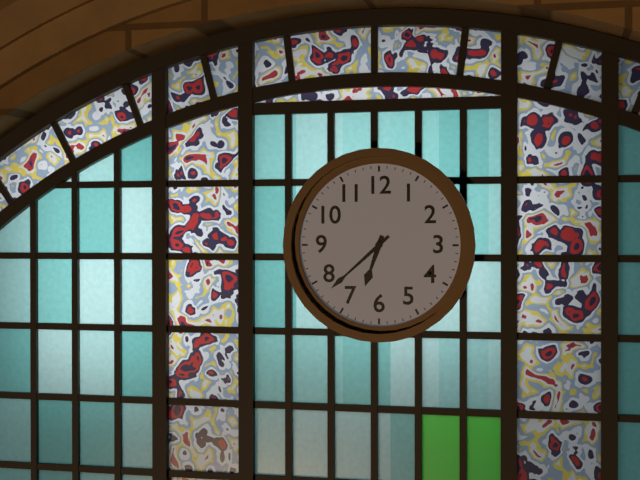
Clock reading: h=6 m=38
